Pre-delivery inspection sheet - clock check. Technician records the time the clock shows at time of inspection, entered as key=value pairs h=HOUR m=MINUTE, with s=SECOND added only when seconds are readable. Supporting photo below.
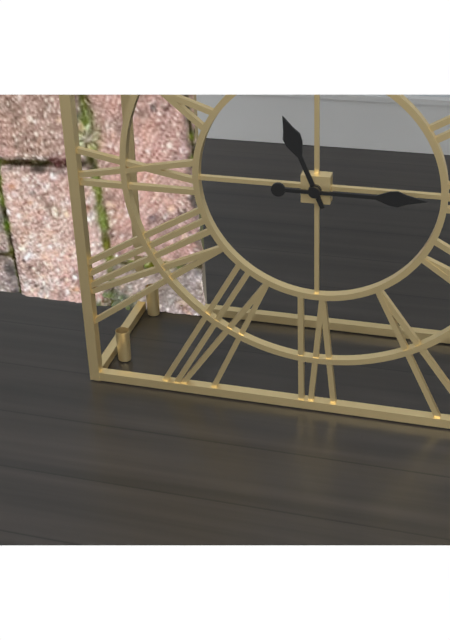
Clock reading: h=11 m=15
